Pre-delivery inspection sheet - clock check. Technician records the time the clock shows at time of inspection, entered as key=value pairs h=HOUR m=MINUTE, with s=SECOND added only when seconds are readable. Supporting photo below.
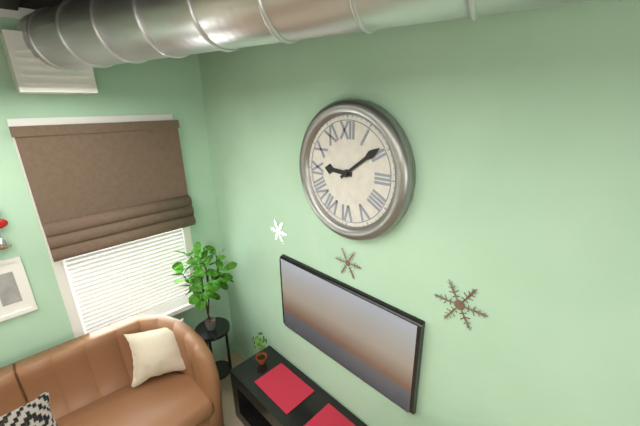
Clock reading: h=9 m=9
